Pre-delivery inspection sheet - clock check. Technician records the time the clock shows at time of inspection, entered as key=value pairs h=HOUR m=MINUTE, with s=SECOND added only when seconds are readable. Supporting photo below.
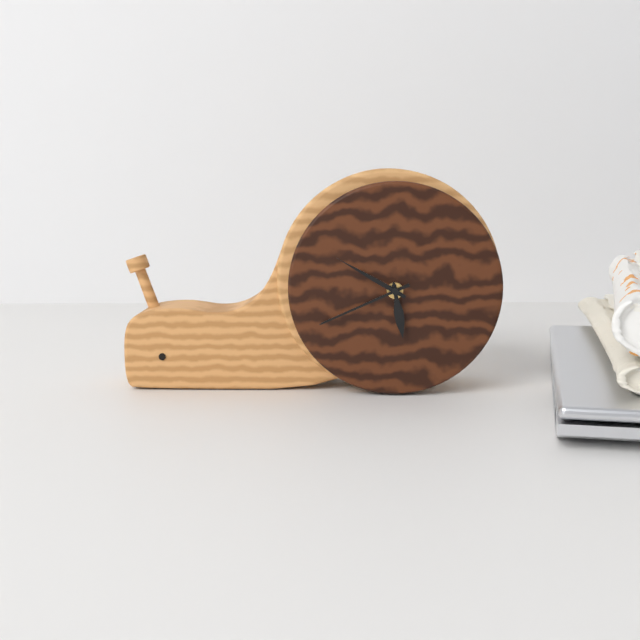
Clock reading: h=5 m=41 s=50
